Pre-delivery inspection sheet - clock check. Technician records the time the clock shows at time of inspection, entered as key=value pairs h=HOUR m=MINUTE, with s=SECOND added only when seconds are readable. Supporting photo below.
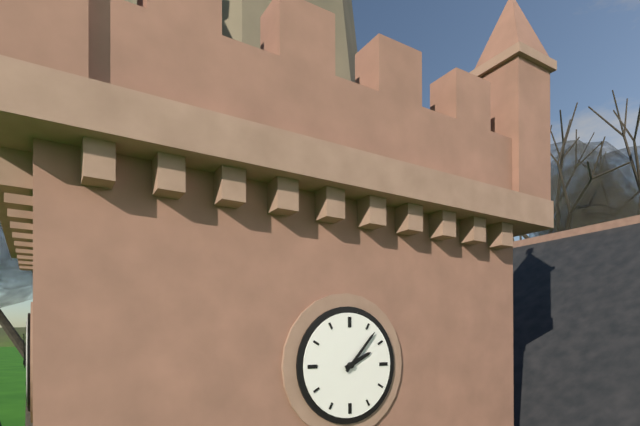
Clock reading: h=2 m=7
